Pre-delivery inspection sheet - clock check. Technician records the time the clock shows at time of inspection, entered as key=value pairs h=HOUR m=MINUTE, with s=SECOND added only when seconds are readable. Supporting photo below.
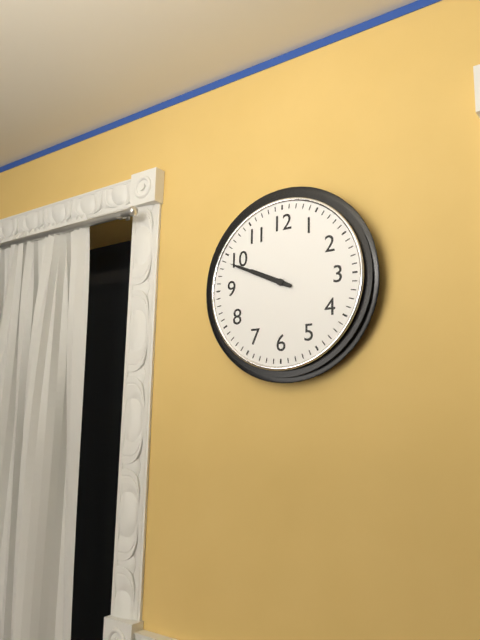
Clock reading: h=9 m=49
